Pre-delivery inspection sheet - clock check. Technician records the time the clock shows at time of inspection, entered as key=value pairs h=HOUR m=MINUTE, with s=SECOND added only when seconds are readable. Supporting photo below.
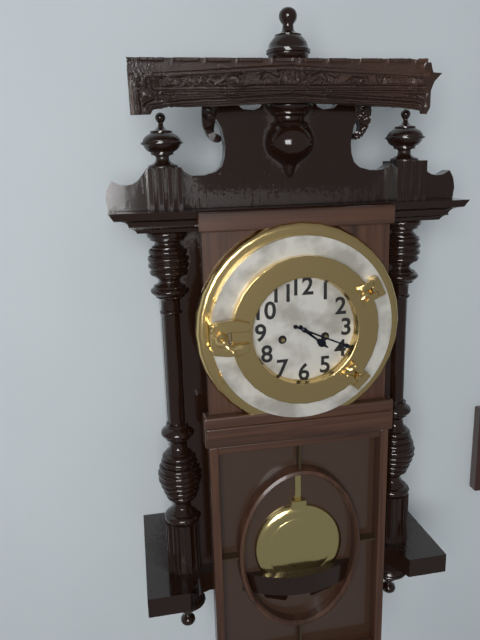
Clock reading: h=4 m=19
